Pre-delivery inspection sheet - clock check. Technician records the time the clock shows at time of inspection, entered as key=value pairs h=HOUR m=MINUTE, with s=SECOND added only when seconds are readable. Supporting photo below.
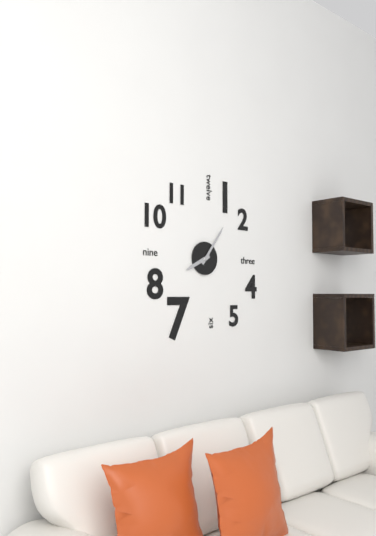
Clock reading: h=8 m=6
